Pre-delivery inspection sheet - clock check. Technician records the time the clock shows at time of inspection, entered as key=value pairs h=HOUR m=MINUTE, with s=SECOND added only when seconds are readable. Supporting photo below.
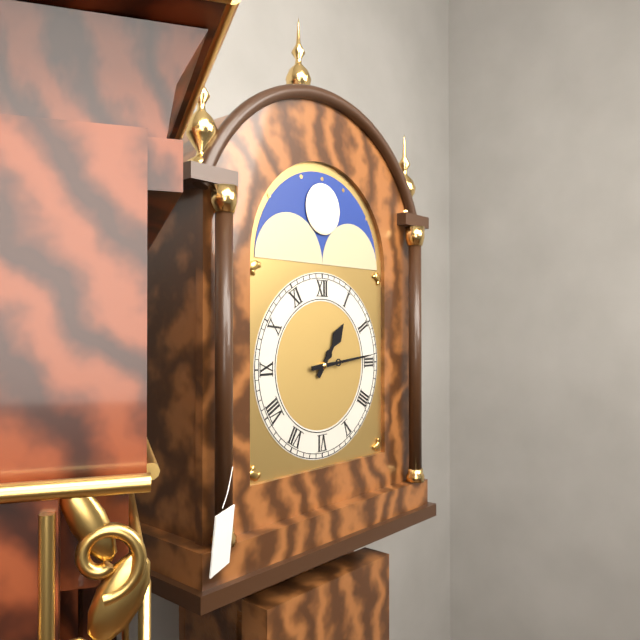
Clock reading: h=1 m=14
